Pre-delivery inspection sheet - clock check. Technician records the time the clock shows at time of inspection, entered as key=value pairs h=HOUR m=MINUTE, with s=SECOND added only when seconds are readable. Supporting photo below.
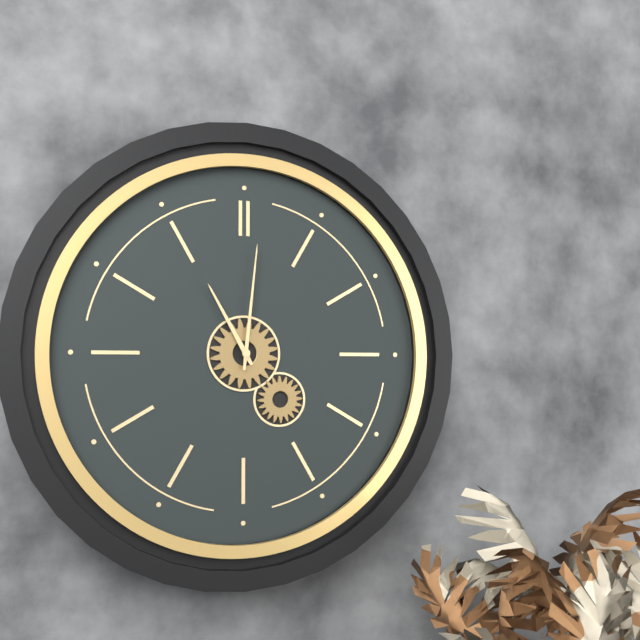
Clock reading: h=11 m=1
